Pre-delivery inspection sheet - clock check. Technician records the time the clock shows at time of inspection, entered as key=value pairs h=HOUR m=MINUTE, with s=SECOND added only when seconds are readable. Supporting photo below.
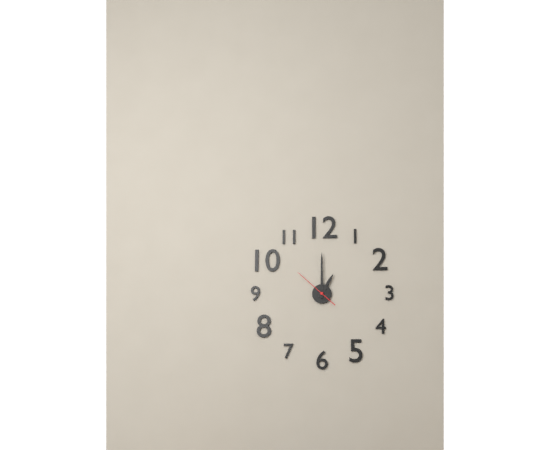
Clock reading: h=1 m=0
